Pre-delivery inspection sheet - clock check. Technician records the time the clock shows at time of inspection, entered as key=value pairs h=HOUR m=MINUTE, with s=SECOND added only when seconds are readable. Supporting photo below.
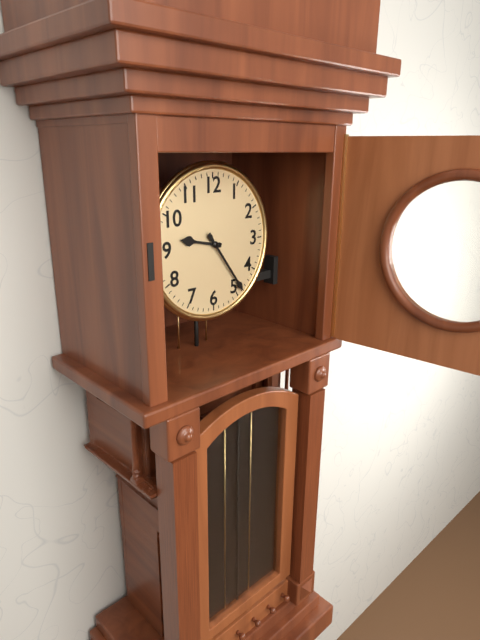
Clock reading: h=9 m=24
